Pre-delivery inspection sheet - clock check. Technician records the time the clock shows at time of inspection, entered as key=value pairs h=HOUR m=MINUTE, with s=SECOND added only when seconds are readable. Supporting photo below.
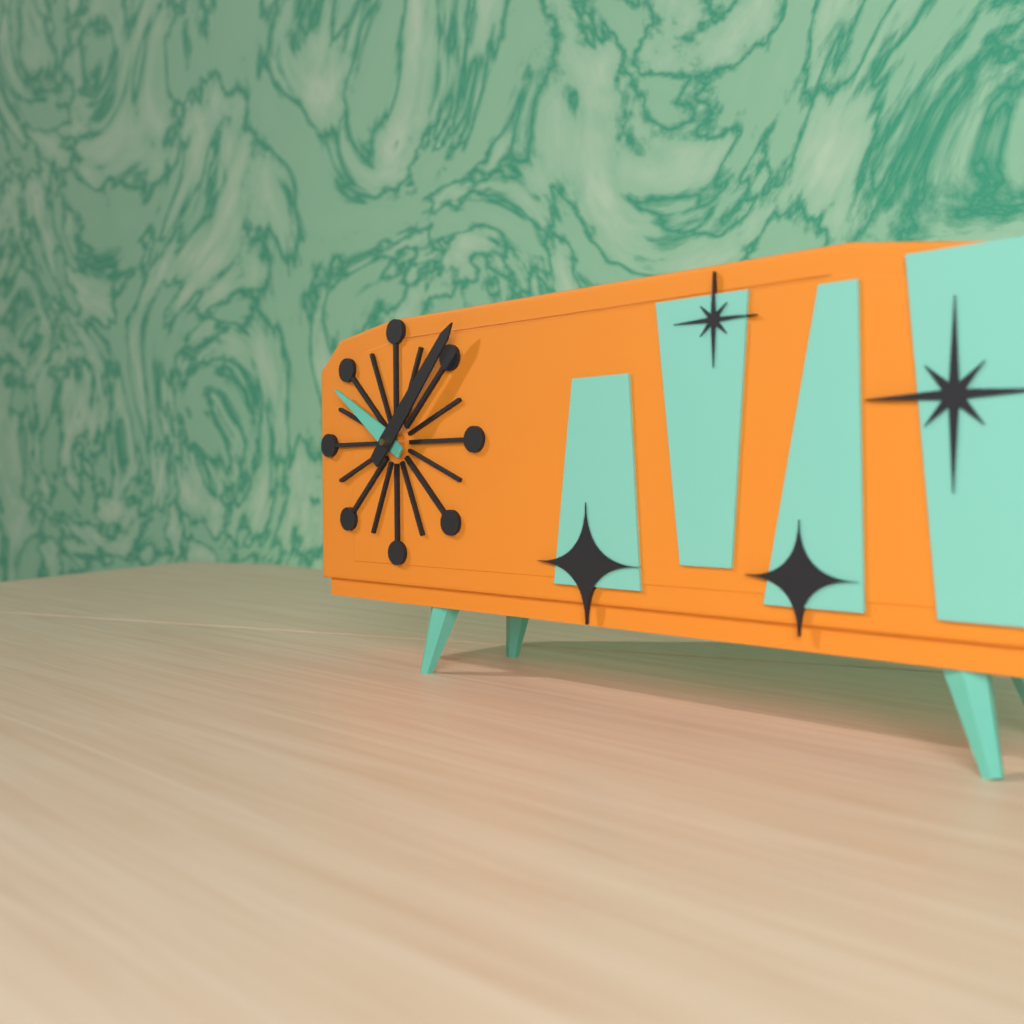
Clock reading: h=10 m=7
